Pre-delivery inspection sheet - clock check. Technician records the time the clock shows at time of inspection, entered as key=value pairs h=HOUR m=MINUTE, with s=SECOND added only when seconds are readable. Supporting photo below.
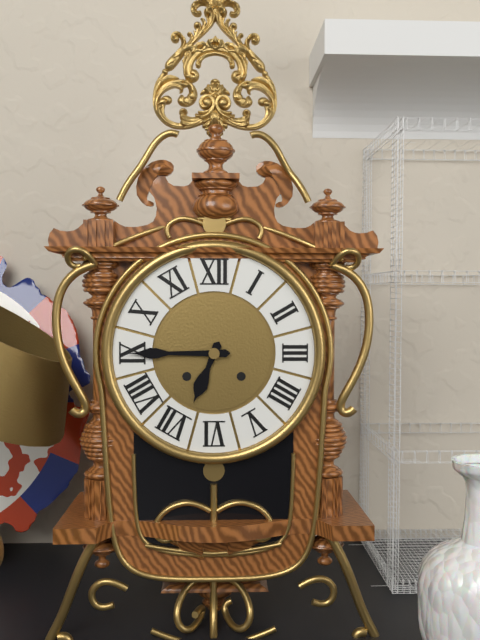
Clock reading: h=6 m=45
